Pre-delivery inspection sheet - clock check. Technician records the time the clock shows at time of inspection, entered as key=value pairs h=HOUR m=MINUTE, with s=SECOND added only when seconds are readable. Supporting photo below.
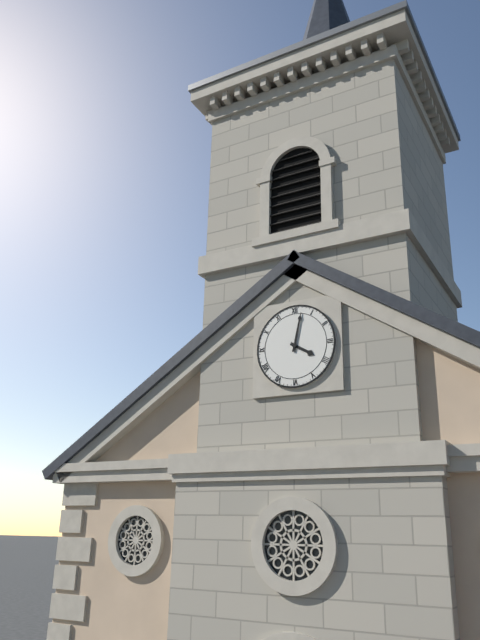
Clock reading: h=4 m=2
